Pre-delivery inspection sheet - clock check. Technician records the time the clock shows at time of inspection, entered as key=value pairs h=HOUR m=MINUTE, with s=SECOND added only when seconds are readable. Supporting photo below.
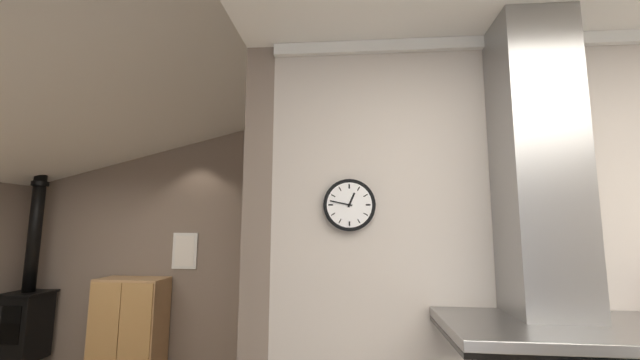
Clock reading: h=12 m=47
